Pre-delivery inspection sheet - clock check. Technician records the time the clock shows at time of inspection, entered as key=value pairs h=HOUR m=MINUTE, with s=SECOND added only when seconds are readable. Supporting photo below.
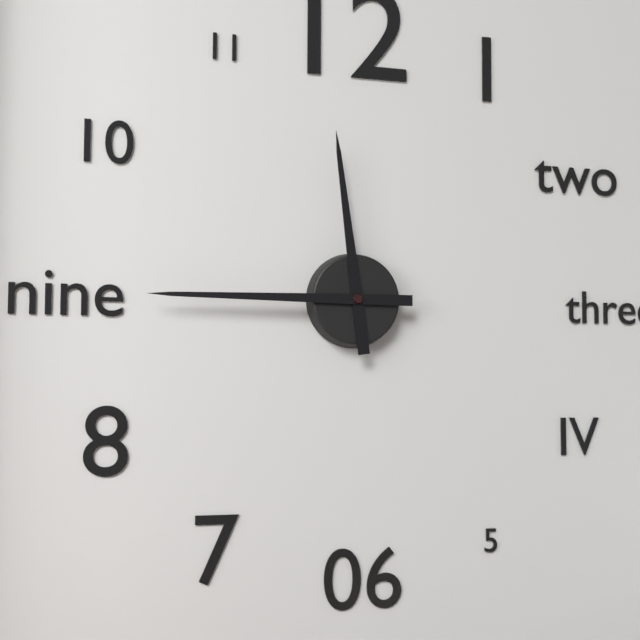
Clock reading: h=11 m=45
